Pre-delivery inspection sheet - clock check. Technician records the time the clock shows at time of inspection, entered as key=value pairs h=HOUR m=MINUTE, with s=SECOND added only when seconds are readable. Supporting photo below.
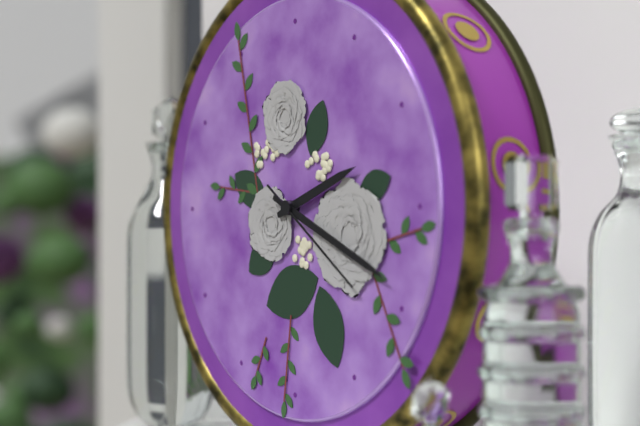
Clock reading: h=2 m=19 s=21
